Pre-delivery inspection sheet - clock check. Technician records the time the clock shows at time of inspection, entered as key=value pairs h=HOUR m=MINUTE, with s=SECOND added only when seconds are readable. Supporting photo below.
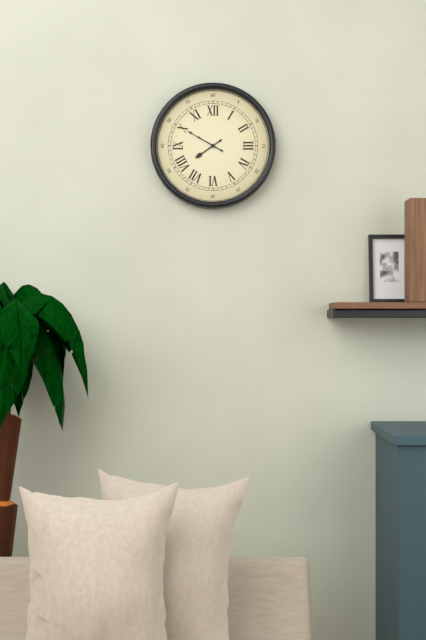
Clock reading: h=7 m=50
